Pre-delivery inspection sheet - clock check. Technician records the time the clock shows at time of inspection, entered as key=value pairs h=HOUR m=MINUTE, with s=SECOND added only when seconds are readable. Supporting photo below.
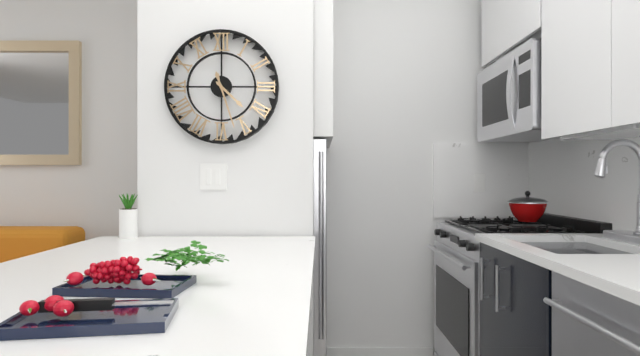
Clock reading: h=4 m=27
